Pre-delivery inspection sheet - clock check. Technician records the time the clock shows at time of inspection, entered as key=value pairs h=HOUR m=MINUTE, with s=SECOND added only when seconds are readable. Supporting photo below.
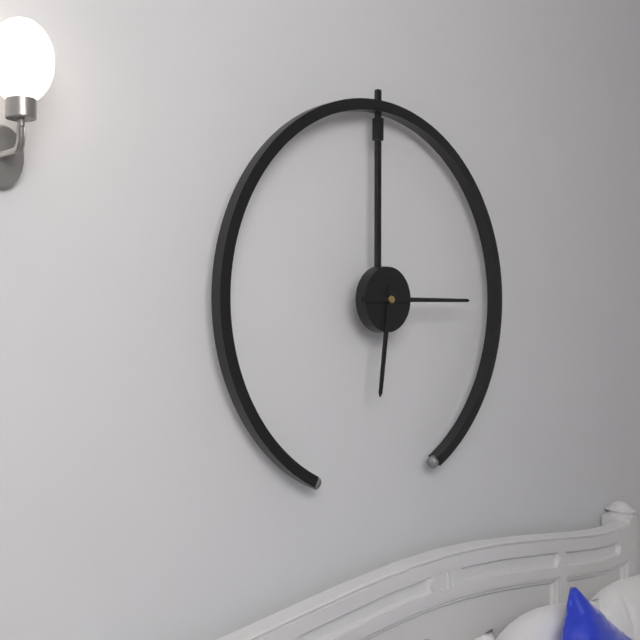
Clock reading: h=6 m=15
